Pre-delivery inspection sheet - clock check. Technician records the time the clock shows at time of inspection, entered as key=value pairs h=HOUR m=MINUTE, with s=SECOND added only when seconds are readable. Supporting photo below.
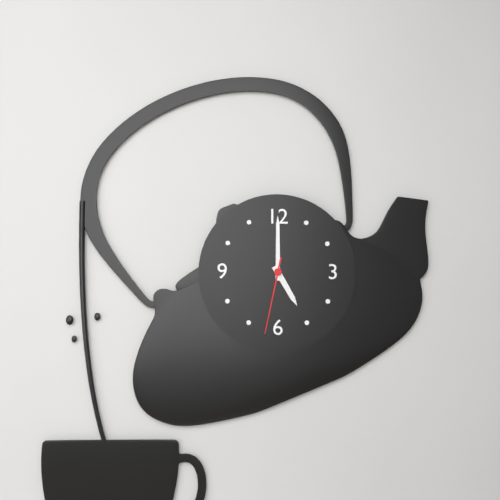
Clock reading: h=5 m=0 s=32
